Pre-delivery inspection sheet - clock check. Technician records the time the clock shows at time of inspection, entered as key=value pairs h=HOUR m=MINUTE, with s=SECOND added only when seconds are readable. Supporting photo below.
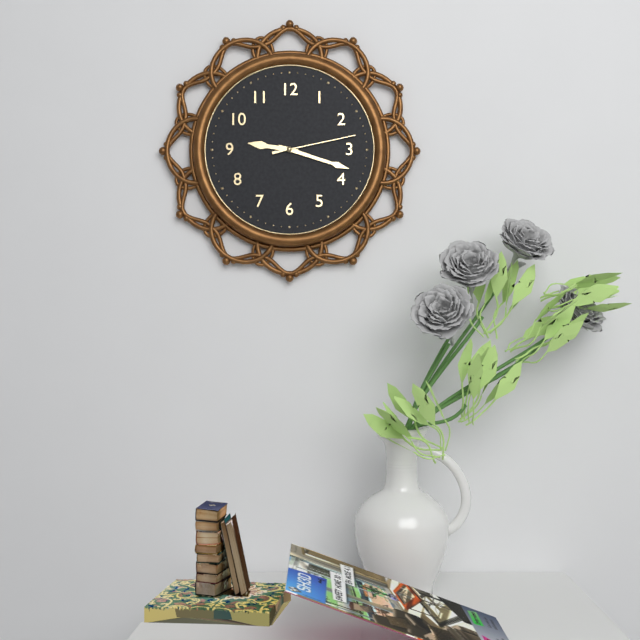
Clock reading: h=9 m=18 s=13
